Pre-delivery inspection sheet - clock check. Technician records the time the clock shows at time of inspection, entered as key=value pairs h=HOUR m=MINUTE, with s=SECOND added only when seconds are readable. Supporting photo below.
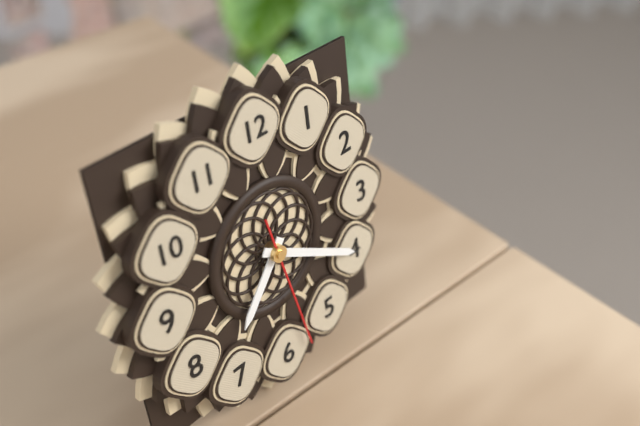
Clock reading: h=7 m=20 s=28
